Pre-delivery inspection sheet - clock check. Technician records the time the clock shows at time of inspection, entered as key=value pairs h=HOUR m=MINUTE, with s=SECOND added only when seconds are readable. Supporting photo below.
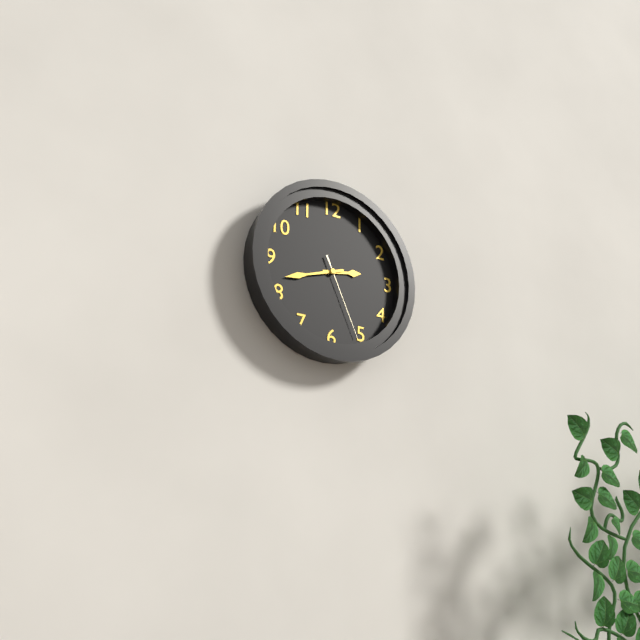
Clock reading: h=2 m=42 s=26
